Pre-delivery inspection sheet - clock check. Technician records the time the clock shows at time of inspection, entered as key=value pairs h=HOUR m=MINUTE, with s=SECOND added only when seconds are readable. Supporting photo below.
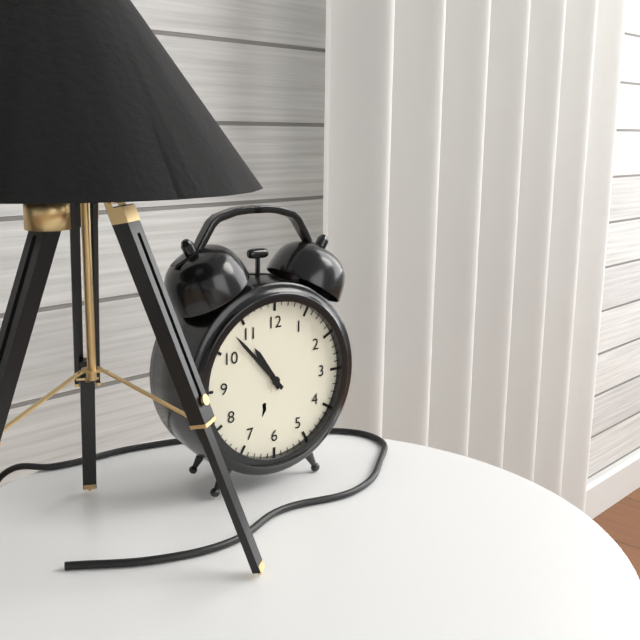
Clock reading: h=10 m=53
